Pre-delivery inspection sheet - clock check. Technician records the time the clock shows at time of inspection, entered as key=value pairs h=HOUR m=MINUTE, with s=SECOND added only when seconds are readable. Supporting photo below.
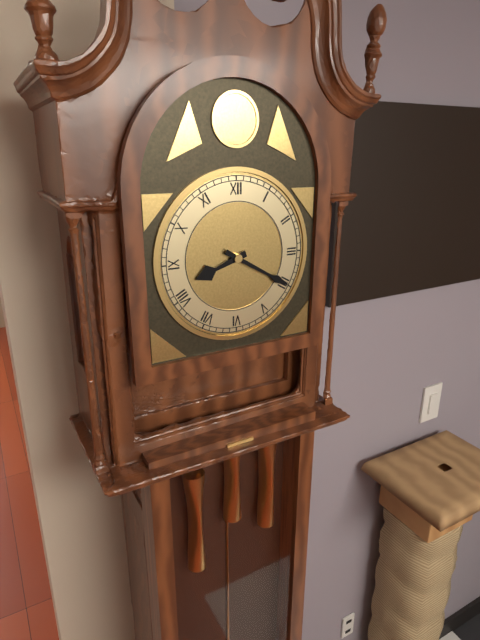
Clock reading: h=8 m=20
